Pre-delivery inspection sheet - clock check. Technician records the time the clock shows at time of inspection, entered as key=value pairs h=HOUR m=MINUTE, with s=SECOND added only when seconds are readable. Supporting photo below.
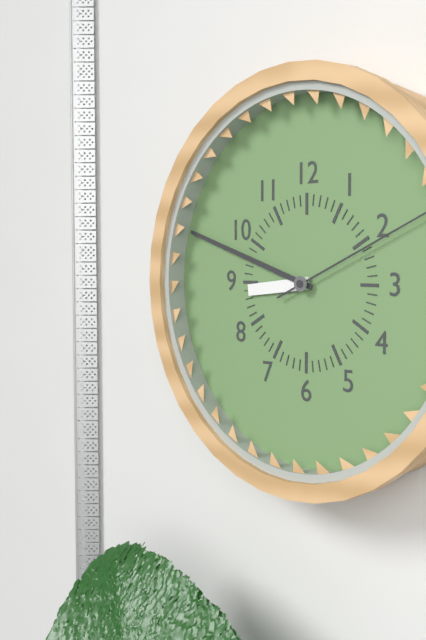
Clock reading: h=8 m=48
